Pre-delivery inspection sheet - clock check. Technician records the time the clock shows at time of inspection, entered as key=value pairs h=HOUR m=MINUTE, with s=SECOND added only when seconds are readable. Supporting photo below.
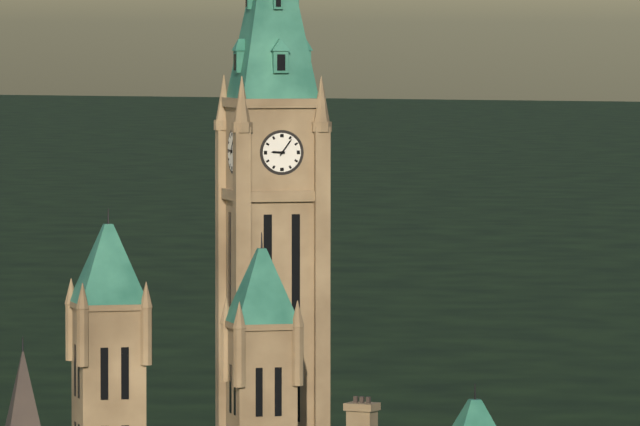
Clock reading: h=9 m=6
